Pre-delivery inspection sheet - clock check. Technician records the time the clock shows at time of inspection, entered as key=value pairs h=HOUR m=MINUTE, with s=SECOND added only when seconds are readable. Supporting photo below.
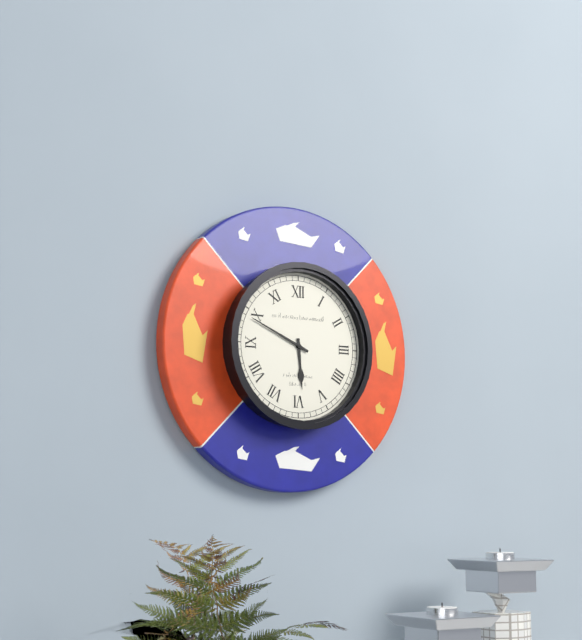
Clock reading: h=5 m=49
